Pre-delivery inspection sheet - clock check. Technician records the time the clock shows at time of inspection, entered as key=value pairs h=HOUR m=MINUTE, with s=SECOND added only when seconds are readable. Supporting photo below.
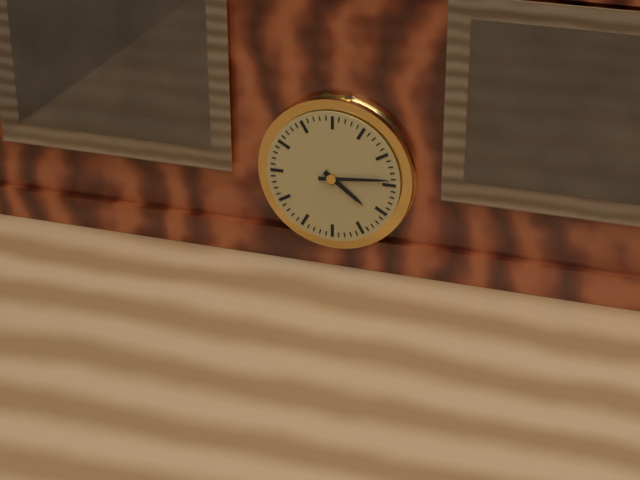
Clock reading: h=4 m=14
